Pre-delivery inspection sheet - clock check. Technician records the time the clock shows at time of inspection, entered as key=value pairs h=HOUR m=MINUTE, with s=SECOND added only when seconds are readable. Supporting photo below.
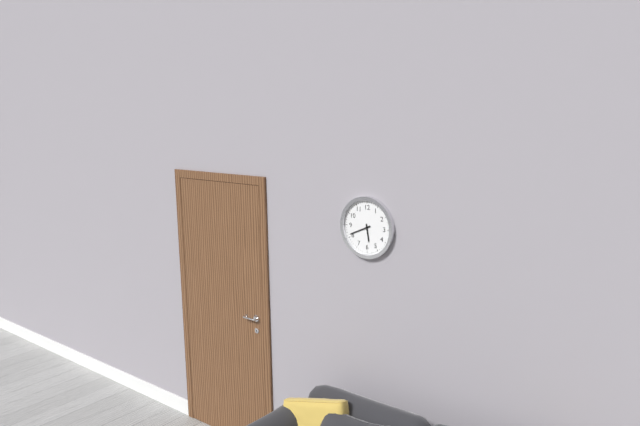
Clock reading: h=5 m=41
